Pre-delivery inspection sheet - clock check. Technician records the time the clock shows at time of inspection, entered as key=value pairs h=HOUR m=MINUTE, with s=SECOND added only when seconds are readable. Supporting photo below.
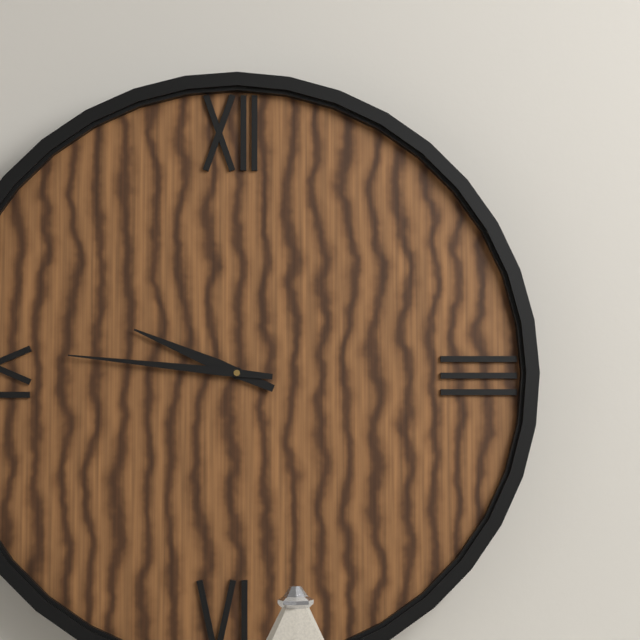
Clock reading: h=9 m=46
